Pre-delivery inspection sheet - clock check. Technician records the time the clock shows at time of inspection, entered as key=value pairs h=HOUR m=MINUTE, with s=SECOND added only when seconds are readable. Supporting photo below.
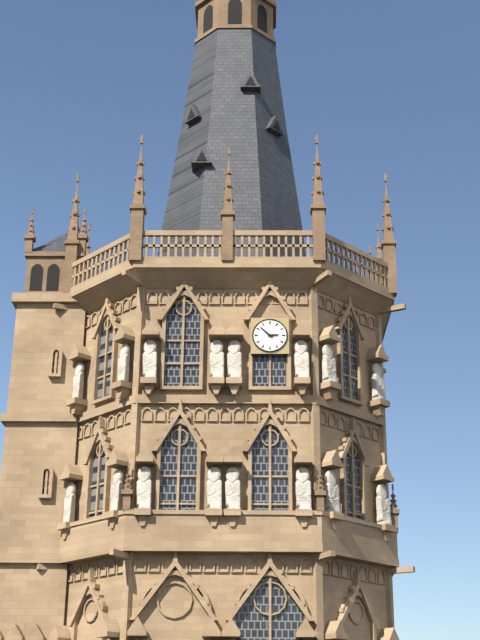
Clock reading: h=2 m=52
